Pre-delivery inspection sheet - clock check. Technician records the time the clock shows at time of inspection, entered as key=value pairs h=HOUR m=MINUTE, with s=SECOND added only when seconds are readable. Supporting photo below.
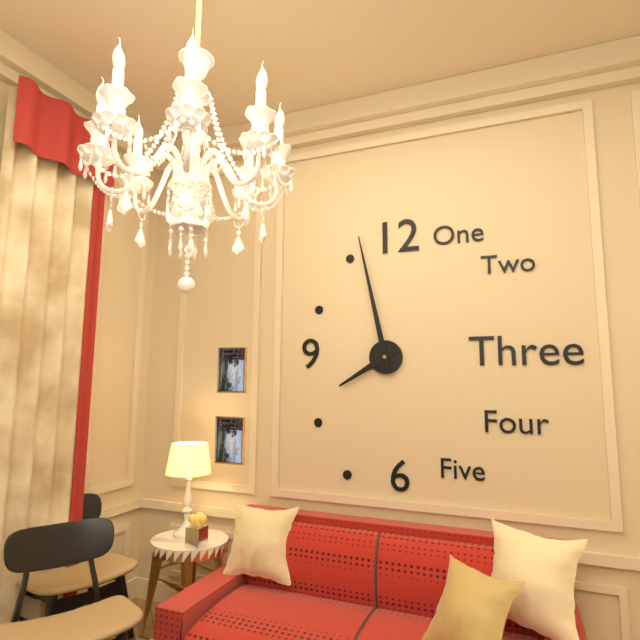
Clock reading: h=7 m=58
